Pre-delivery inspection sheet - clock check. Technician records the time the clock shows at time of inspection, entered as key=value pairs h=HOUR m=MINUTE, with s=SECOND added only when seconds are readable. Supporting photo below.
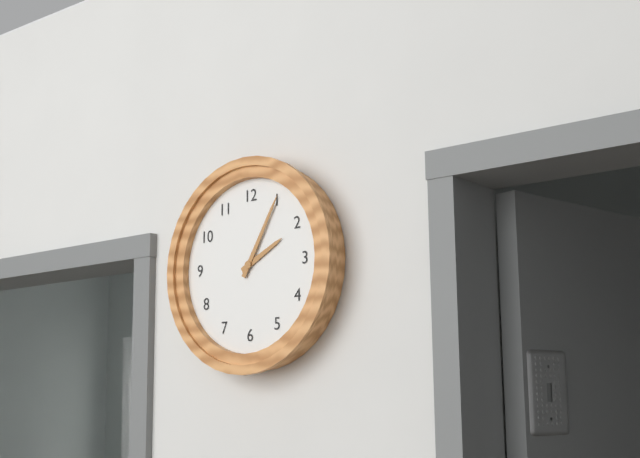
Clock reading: h=2 m=5
